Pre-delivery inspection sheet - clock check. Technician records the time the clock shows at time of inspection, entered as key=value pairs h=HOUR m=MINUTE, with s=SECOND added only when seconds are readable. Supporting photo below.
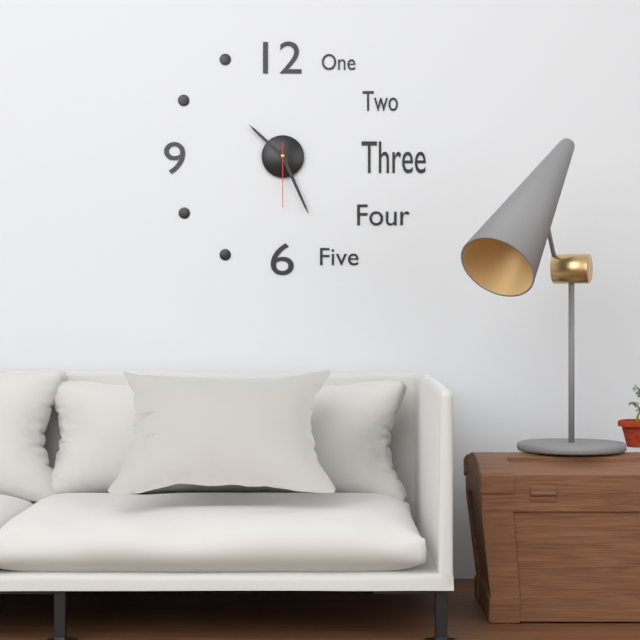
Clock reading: h=10 m=26 s=30
